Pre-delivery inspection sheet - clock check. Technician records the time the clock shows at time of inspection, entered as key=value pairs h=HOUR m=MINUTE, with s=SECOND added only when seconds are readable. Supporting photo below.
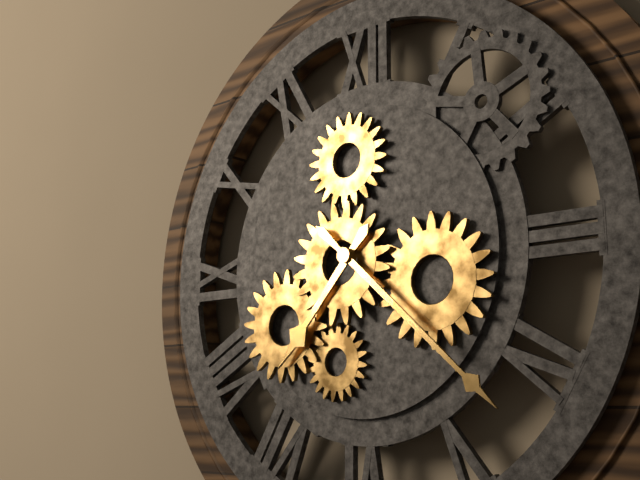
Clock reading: h=7 m=22
